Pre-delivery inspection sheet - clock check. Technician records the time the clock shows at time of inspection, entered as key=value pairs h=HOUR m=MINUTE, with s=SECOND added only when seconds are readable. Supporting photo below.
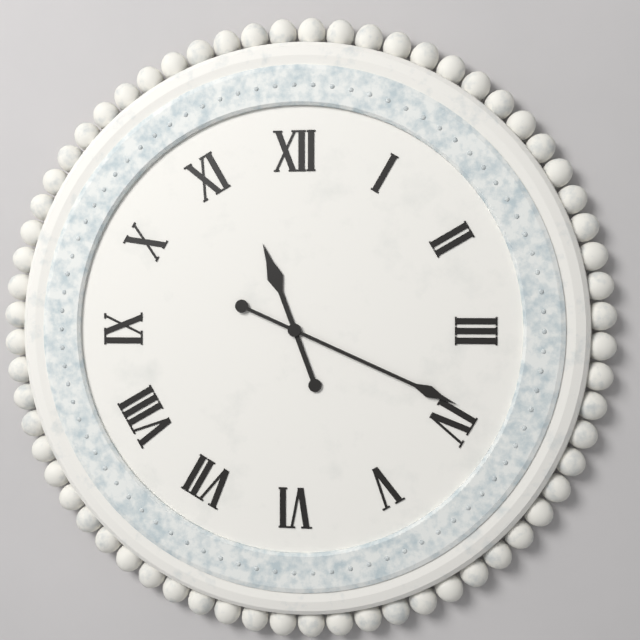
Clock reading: h=11 m=19
